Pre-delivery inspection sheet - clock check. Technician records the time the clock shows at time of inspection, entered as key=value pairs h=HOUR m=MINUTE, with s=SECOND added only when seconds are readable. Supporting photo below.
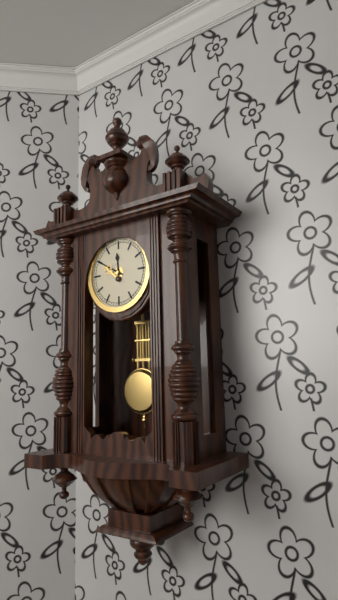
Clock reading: h=11 m=50
